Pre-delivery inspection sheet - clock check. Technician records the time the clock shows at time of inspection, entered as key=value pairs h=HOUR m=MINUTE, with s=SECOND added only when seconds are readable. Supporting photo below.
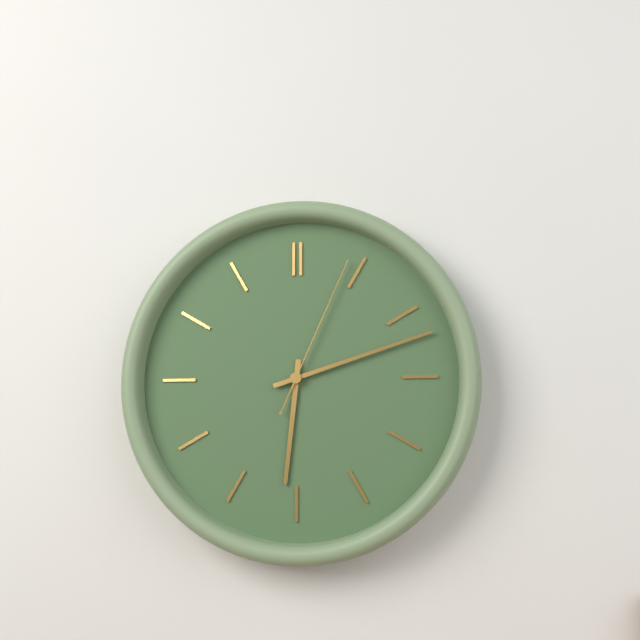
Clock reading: h=6 m=12 s=4
